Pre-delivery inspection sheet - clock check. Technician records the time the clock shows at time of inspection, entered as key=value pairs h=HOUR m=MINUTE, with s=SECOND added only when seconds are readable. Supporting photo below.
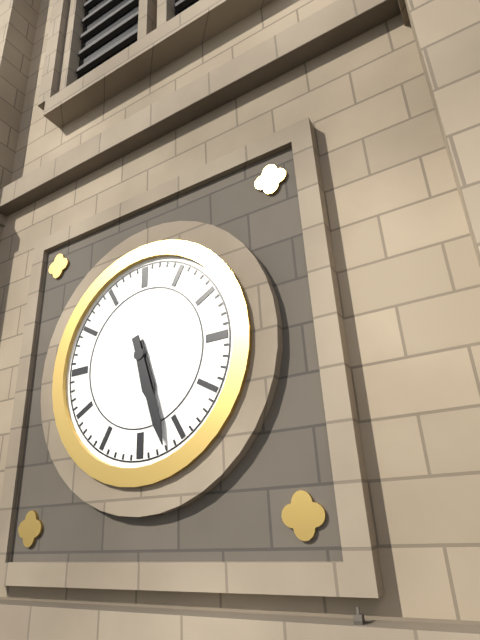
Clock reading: h=5 m=27
